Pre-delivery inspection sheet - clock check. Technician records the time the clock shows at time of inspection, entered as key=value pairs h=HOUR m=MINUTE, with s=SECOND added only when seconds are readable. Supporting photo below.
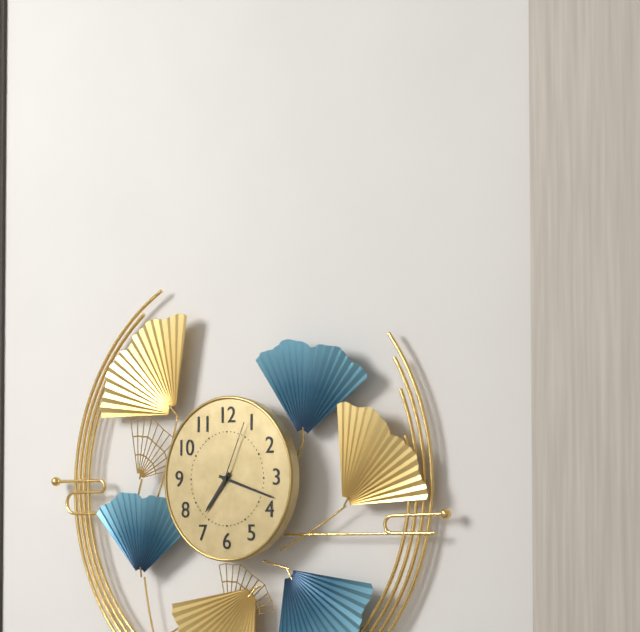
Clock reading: h=7 m=18 s=4
